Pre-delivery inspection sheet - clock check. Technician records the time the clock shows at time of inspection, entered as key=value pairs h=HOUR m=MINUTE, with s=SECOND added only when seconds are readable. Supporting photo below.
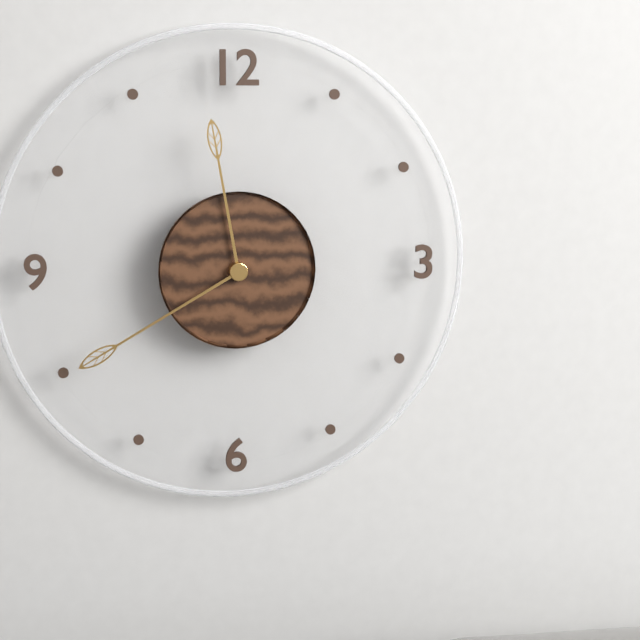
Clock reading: h=11 m=40
